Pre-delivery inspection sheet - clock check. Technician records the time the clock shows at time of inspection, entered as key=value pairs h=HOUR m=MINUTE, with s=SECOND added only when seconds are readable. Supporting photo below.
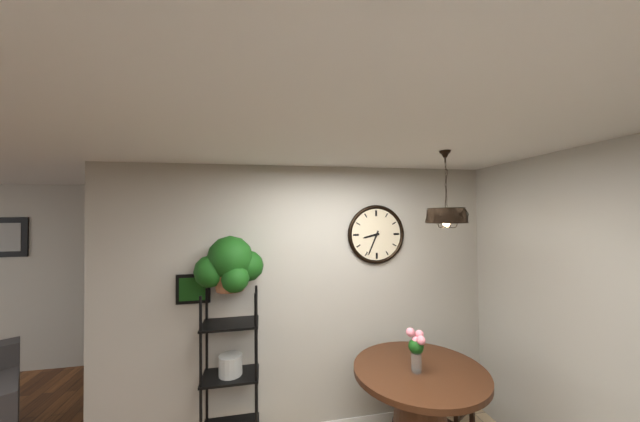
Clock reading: h=8 m=34
